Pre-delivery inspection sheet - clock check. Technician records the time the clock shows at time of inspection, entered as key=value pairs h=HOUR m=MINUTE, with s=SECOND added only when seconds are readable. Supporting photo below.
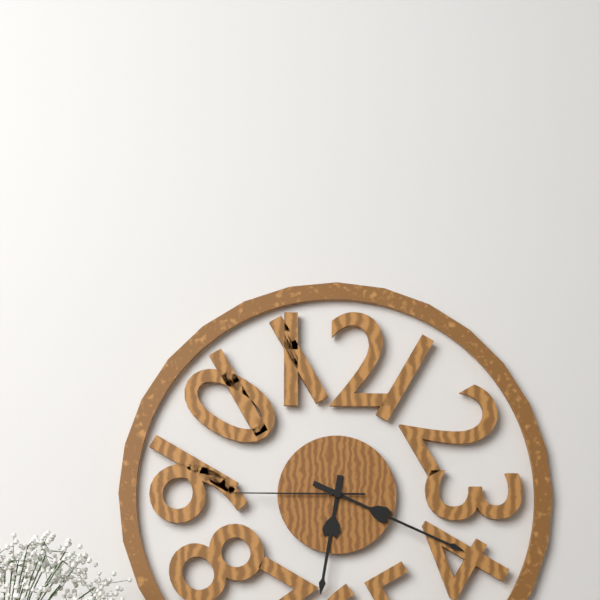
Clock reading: h=6 m=19 s=45
